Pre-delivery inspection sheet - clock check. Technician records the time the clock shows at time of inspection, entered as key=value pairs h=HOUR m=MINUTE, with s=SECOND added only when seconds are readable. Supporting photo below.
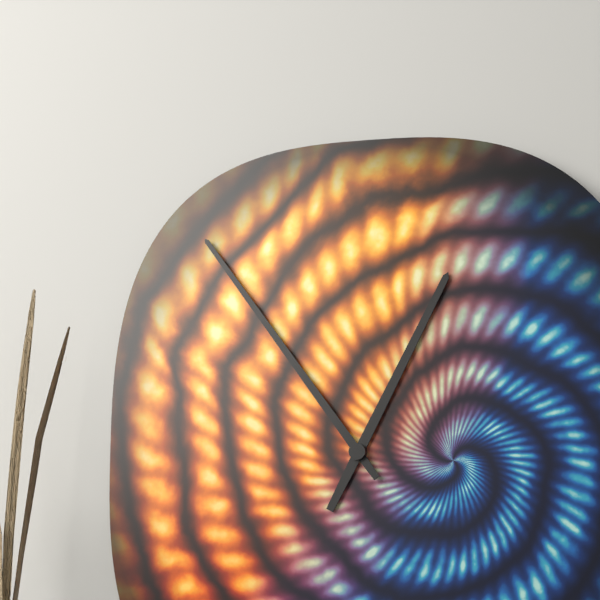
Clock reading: h=12 m=54
